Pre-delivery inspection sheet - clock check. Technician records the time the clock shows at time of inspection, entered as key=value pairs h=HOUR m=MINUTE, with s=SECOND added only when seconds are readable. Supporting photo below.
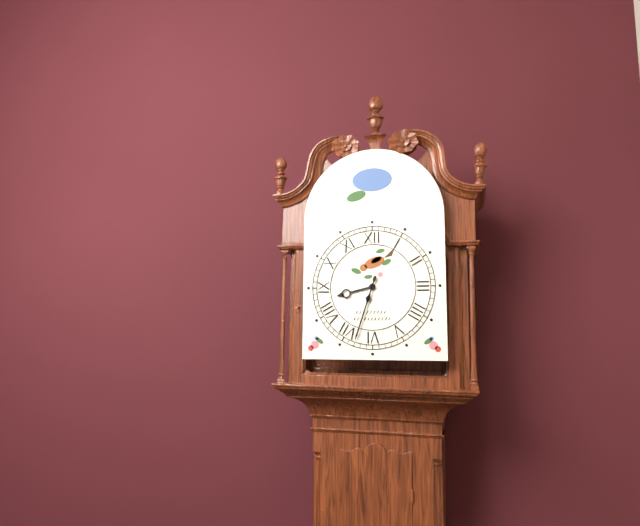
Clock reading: h=8 m=33
